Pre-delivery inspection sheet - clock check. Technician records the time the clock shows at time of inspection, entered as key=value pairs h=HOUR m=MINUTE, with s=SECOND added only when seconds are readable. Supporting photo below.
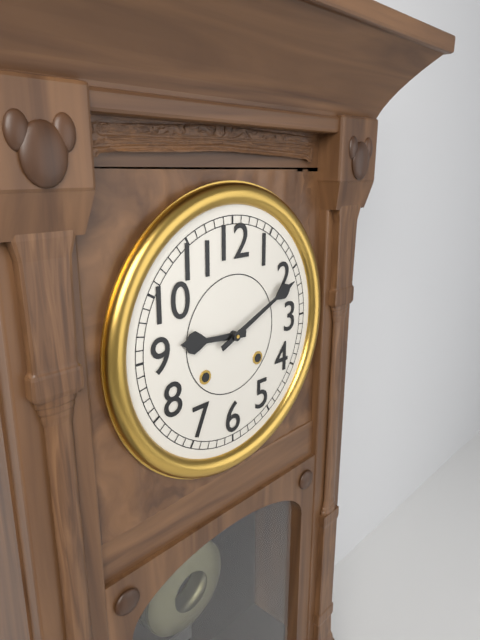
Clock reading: h=9 m=11
